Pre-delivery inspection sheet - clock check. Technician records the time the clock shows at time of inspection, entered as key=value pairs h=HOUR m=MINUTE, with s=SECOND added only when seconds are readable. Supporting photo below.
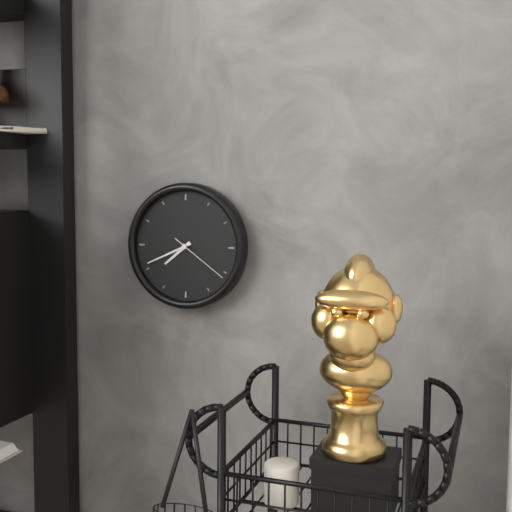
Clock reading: h=7 m=41 s=21
